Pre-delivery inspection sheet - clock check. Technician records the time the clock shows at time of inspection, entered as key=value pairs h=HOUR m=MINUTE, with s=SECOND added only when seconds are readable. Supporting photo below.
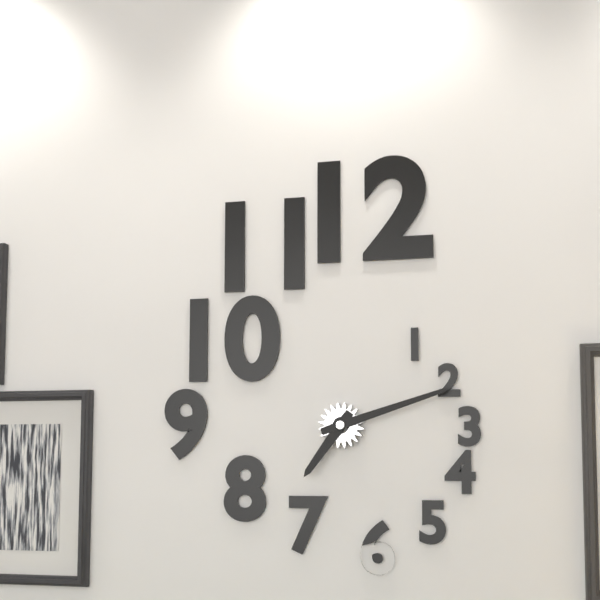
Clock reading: h=7 m=12
